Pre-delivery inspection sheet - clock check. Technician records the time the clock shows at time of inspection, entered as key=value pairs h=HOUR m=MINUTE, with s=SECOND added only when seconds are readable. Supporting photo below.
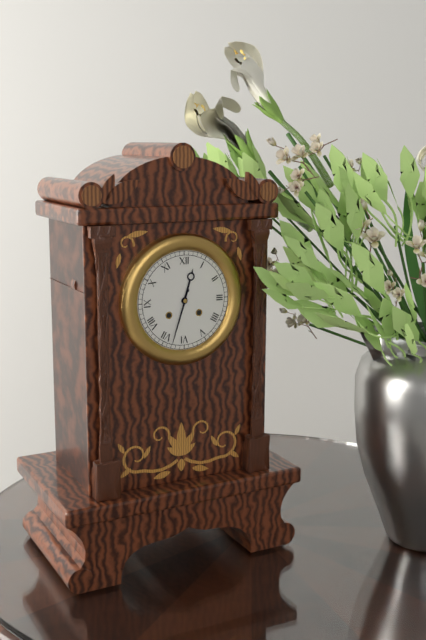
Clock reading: h=12 m=33
